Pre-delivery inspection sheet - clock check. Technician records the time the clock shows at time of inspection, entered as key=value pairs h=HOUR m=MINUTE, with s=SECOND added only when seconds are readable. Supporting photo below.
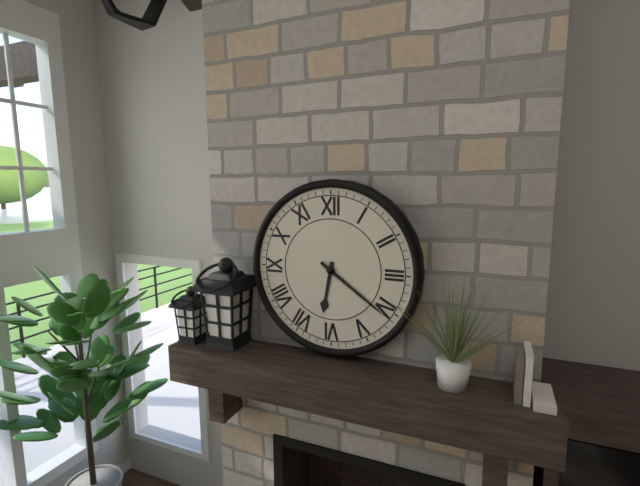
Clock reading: h=6 m=21
